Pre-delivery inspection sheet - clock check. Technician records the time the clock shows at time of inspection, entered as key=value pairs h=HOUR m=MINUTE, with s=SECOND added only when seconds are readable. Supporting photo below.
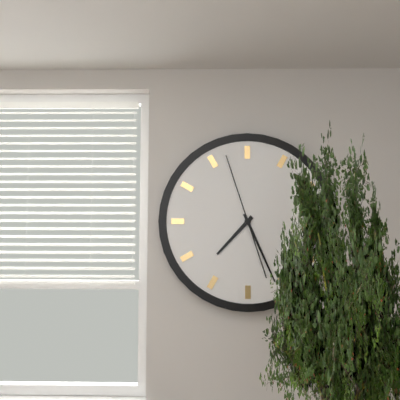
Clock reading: h=7 m=26 s=57
